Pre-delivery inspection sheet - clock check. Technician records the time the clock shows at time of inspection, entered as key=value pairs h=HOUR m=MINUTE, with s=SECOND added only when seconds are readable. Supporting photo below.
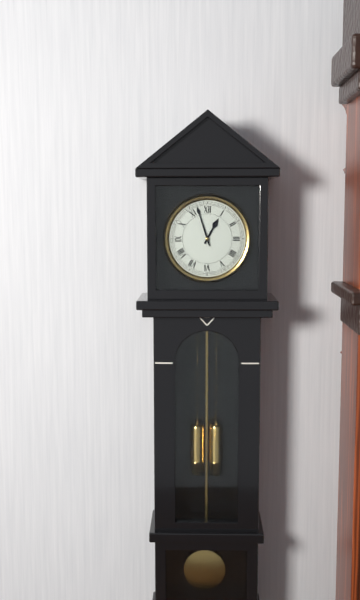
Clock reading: h=12 m=57
